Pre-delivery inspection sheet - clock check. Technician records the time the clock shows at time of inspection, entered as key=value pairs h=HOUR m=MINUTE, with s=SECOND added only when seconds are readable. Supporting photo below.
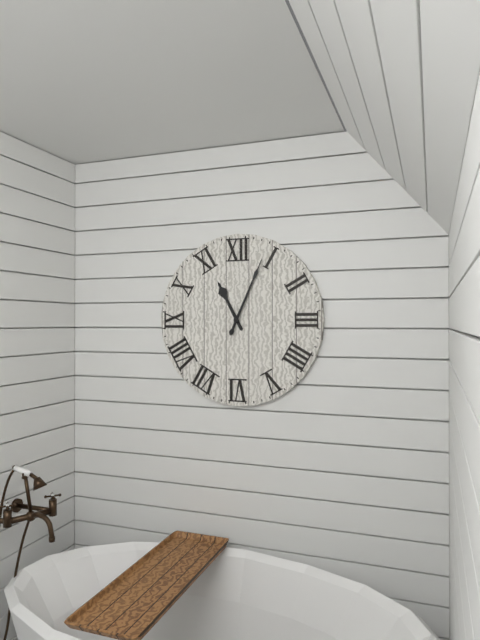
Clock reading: h=11 m=4
